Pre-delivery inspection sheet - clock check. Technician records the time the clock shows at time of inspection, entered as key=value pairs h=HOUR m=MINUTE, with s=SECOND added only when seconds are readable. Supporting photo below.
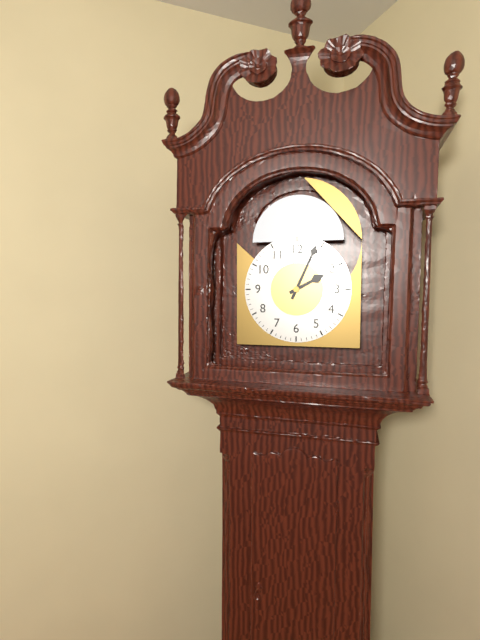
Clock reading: h=2 m=4
